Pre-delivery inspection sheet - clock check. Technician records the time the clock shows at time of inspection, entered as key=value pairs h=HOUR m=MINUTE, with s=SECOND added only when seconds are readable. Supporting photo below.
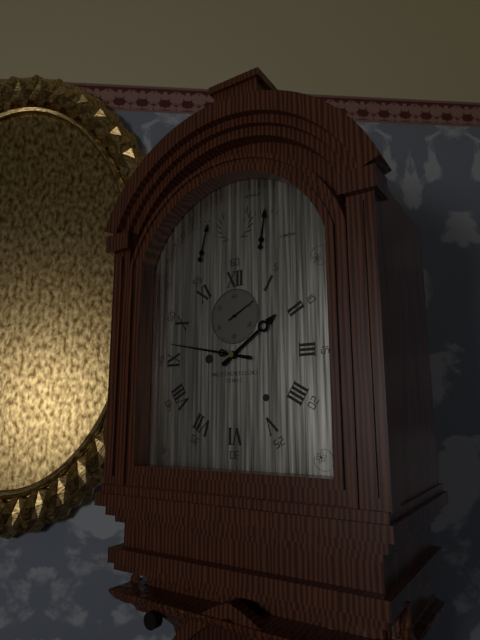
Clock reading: h=1 m=47
